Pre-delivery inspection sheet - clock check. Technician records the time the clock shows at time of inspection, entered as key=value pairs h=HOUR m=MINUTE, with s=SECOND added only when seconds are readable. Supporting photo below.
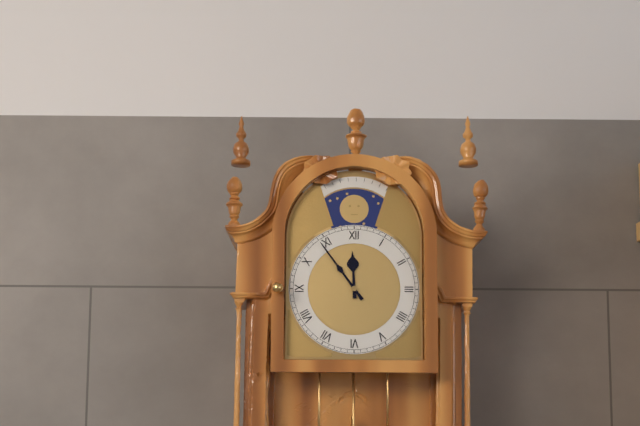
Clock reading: h=11 m=54
